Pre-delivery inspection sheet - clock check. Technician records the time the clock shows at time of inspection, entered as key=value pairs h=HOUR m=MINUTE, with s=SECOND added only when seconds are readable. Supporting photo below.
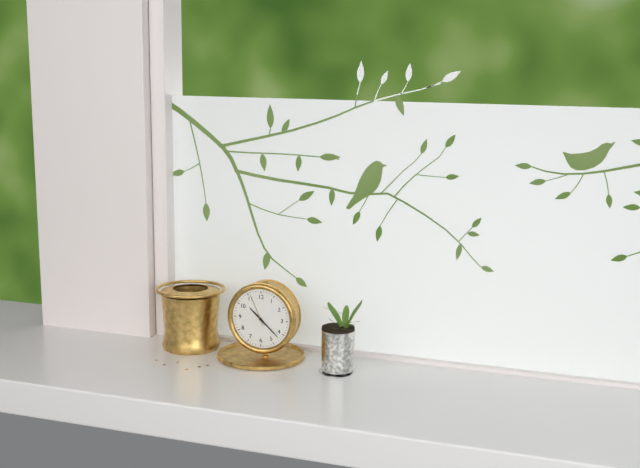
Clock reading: h=10 m=22
